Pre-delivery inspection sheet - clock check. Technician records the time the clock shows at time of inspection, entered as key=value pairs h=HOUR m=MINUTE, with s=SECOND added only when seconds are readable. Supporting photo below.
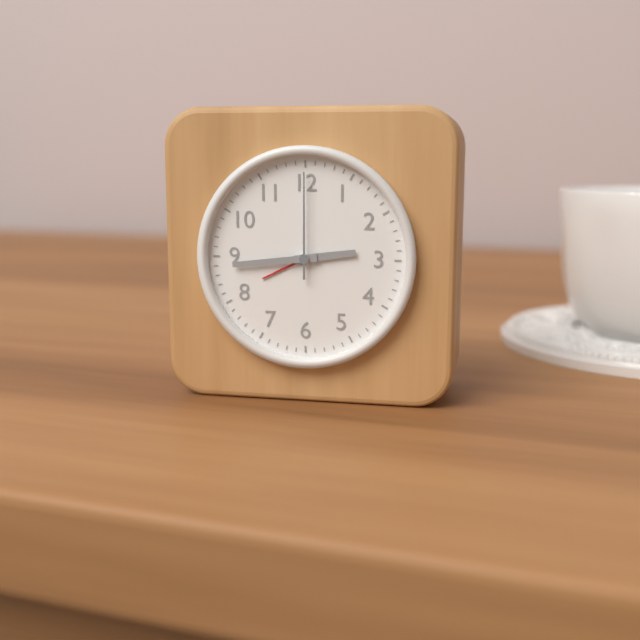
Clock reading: h=2 m=44 s=0
